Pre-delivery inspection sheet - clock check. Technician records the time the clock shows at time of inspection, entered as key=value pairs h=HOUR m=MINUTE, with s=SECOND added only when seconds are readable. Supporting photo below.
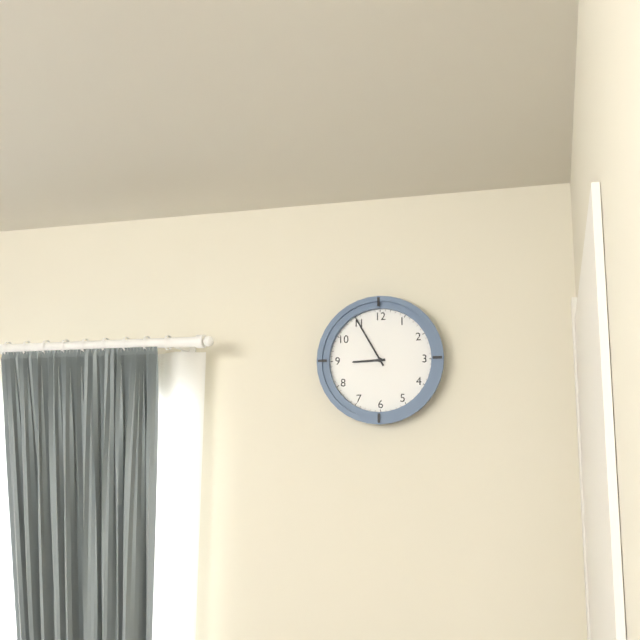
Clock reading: h=8 m=55
